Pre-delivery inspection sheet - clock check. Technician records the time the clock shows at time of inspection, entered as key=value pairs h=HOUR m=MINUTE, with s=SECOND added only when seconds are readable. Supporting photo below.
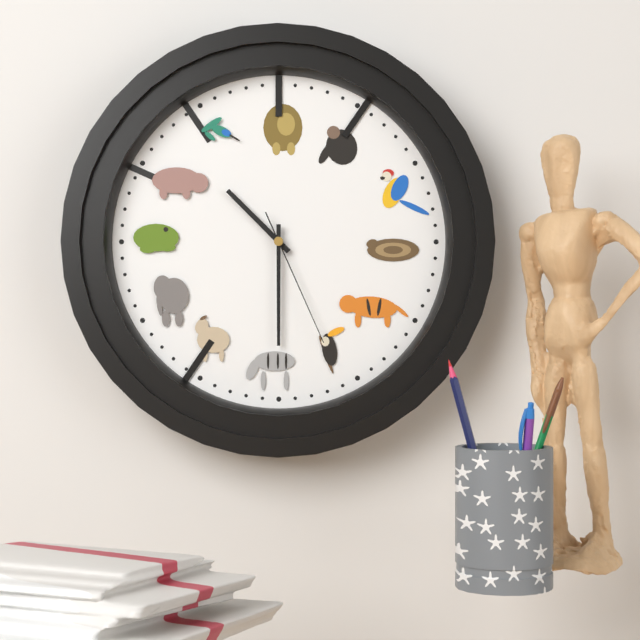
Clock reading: h=10 m=30 s=26
